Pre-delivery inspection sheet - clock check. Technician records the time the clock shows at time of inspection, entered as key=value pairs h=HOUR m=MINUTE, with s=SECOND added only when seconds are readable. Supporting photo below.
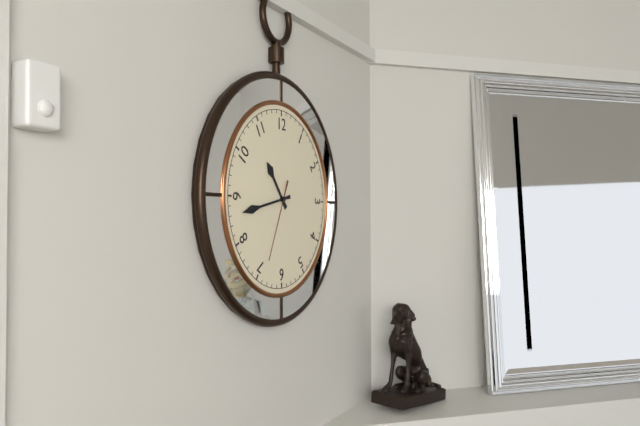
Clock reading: h=10 m=43 s=34
